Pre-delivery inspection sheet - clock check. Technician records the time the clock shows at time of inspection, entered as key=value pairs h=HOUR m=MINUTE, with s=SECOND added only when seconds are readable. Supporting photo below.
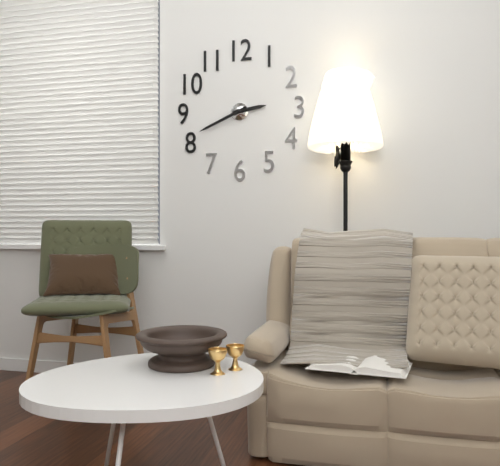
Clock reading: h=2 m=41
